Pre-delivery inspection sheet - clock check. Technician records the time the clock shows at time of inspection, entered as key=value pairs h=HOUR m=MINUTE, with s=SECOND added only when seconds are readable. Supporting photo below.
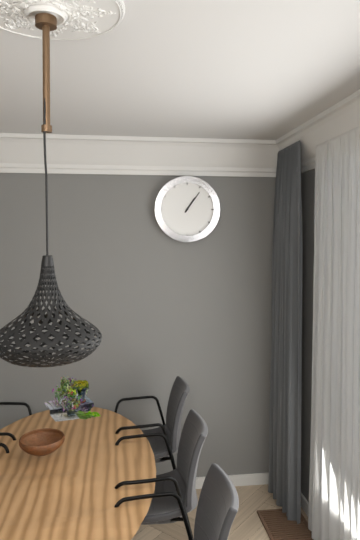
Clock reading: h=1 m=6
